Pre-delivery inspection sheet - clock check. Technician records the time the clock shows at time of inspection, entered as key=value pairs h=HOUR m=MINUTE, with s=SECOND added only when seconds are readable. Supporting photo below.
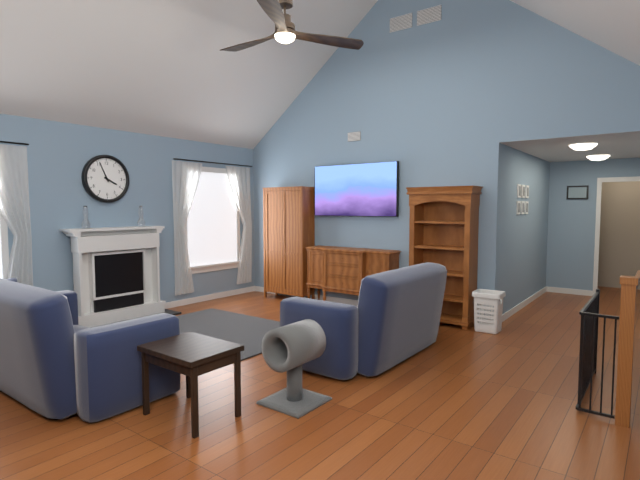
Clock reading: h=3 m=56
